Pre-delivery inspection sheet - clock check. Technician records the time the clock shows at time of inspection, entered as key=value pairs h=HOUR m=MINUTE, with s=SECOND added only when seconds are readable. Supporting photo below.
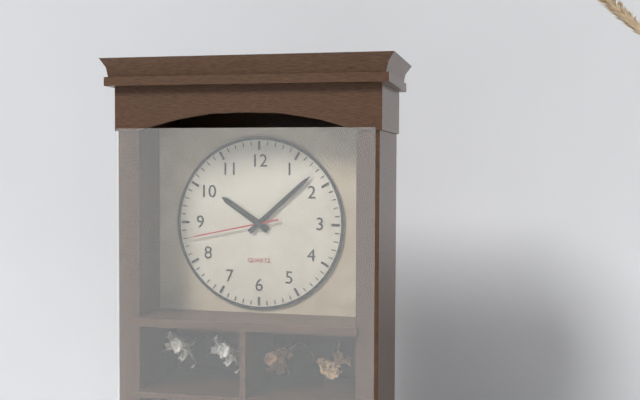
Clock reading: h=10 m=8 s=43
